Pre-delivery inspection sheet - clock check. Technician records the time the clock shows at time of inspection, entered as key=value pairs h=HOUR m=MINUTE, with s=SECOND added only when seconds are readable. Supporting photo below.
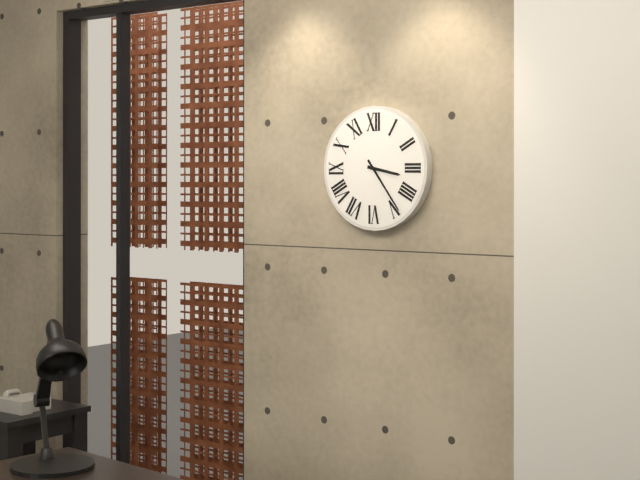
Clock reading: h=3 m=24
